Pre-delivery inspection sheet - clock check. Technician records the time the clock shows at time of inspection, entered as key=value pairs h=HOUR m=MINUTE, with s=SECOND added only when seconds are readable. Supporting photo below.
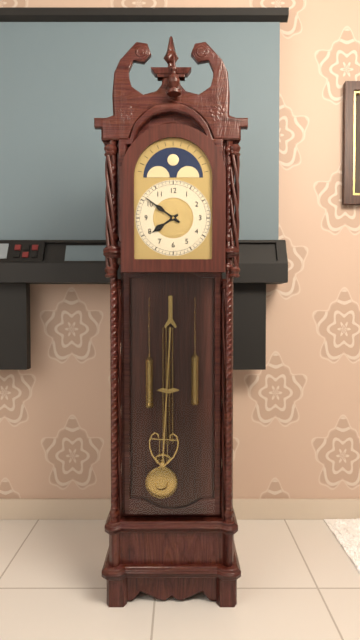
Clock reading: h=7 m=51
